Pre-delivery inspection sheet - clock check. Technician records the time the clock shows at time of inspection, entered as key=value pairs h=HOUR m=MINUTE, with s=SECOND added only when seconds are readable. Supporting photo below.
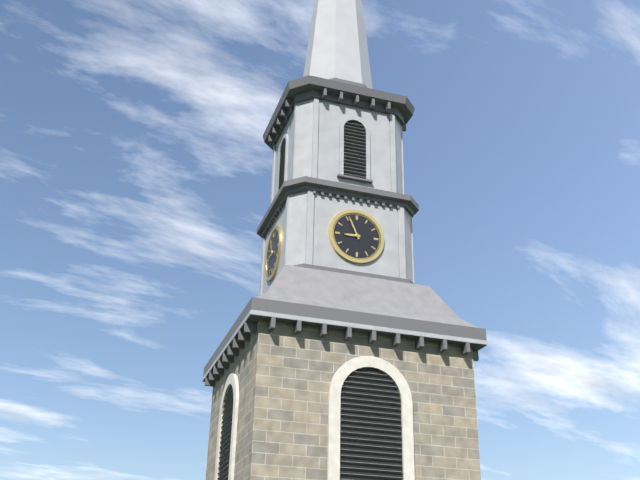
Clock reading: h=8 m=56
